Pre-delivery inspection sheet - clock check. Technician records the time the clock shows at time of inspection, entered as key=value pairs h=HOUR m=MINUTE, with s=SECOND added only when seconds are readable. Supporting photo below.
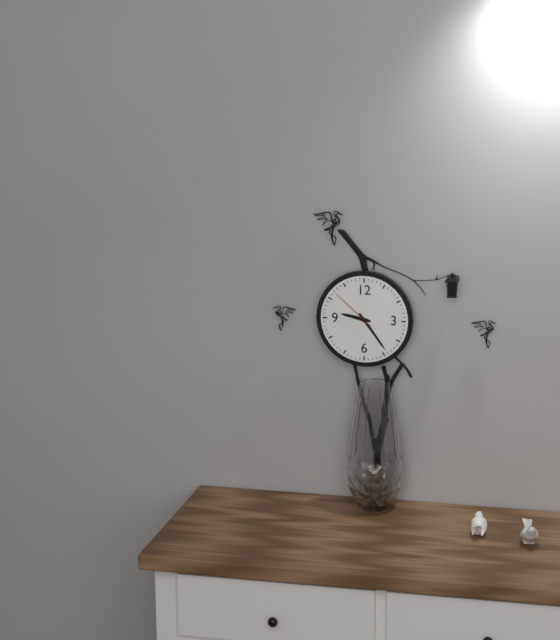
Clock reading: h=9 m=24 s=52
